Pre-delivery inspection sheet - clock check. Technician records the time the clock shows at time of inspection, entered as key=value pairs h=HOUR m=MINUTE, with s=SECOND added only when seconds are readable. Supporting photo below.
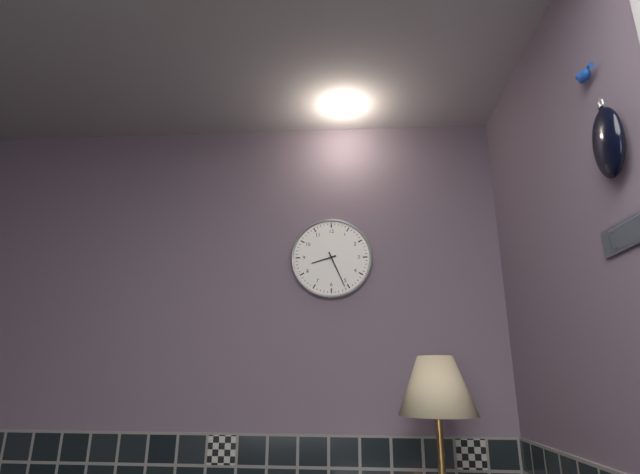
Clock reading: h=8 m=26
